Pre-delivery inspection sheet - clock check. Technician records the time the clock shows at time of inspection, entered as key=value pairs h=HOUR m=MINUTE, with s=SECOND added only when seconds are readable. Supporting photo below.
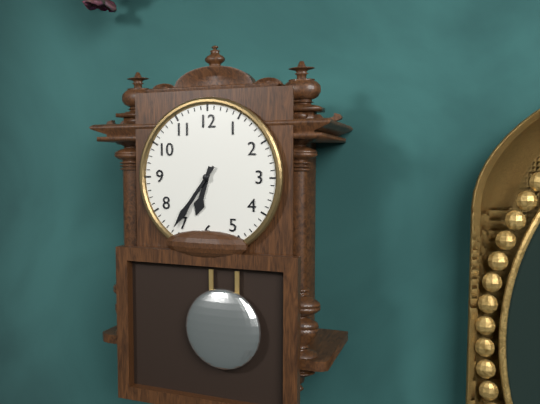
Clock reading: h=6 m=36
